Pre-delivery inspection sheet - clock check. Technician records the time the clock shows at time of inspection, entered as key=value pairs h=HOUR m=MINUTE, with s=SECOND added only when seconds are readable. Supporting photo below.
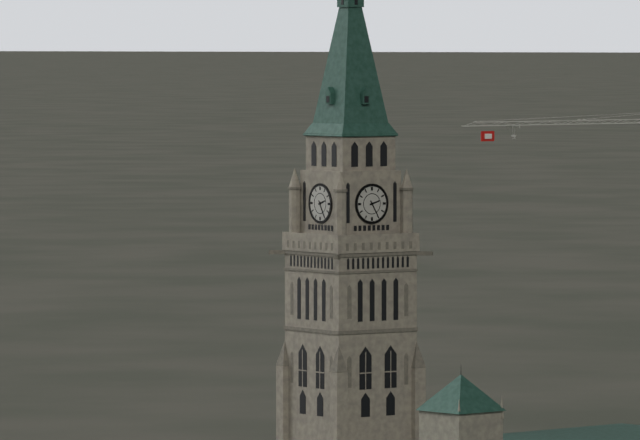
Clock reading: h=2 m=25
